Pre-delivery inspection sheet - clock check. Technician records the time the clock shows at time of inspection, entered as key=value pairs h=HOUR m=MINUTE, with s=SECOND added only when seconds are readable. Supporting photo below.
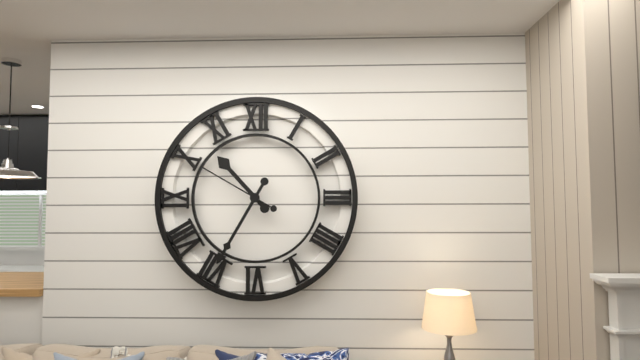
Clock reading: h=10 m=35 s=50
